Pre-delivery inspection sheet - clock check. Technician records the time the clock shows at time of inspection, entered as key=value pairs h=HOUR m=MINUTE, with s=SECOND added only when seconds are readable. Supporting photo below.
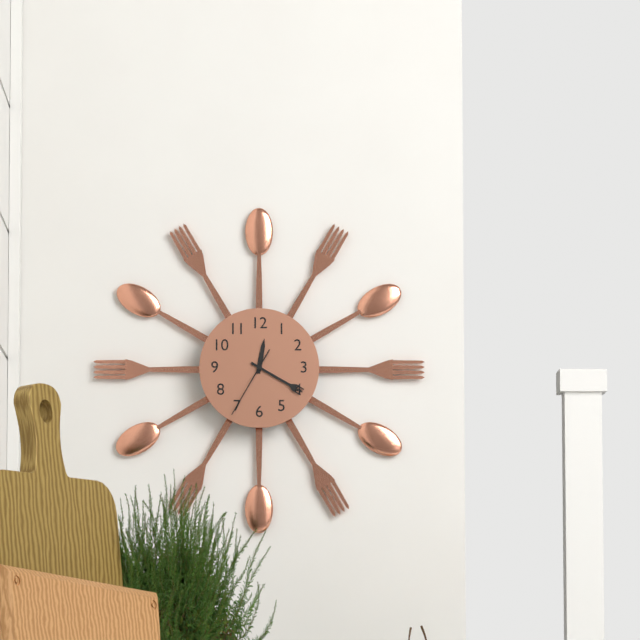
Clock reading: h=12 m=20 s=35
